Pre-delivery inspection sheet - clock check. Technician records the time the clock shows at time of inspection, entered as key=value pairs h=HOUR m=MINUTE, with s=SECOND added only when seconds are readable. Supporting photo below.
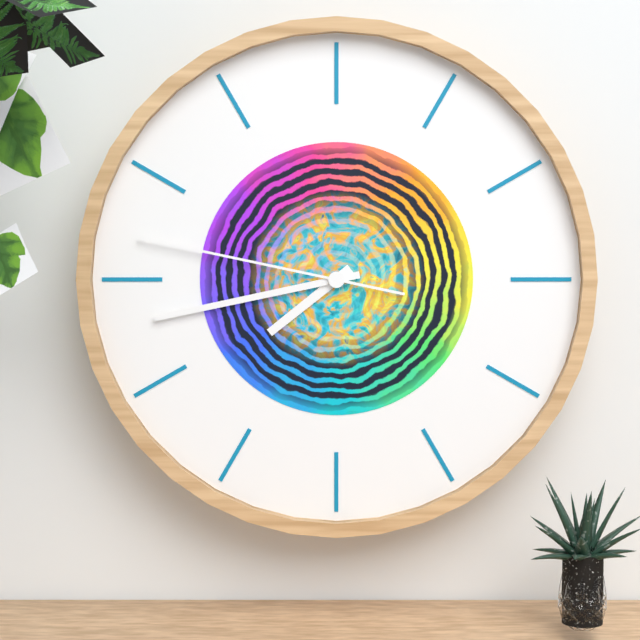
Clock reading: h=7 m=43 s=47
